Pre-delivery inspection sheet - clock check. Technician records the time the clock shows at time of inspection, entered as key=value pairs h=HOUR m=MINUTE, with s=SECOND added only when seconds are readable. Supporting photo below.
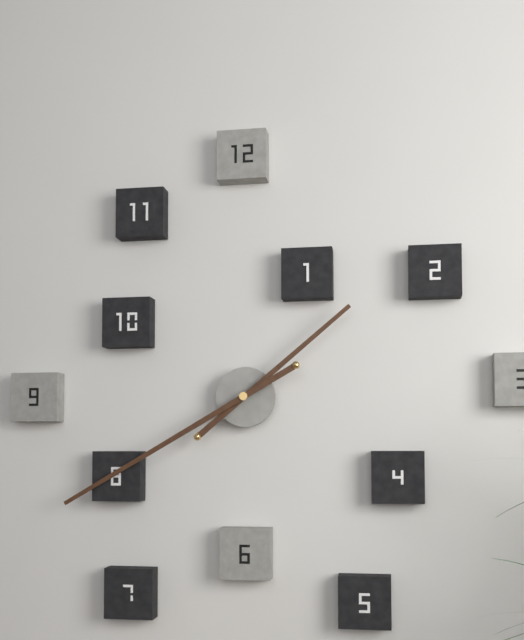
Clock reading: h=1 m=40
